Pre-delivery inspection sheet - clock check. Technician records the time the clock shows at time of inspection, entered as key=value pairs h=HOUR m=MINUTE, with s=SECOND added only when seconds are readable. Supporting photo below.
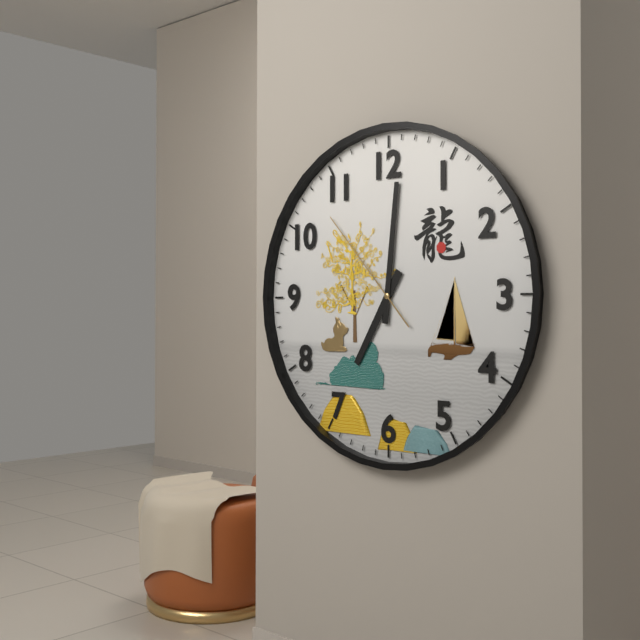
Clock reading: h=7 m=1 s=53
